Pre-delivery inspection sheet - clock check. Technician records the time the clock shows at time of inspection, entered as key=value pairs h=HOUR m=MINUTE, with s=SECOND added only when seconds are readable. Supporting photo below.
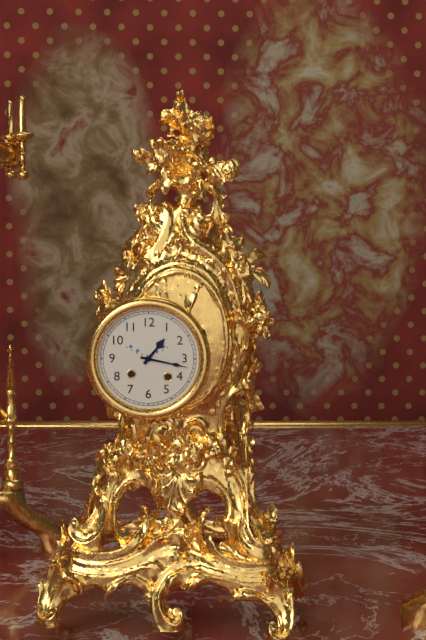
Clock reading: h=1 m=17
